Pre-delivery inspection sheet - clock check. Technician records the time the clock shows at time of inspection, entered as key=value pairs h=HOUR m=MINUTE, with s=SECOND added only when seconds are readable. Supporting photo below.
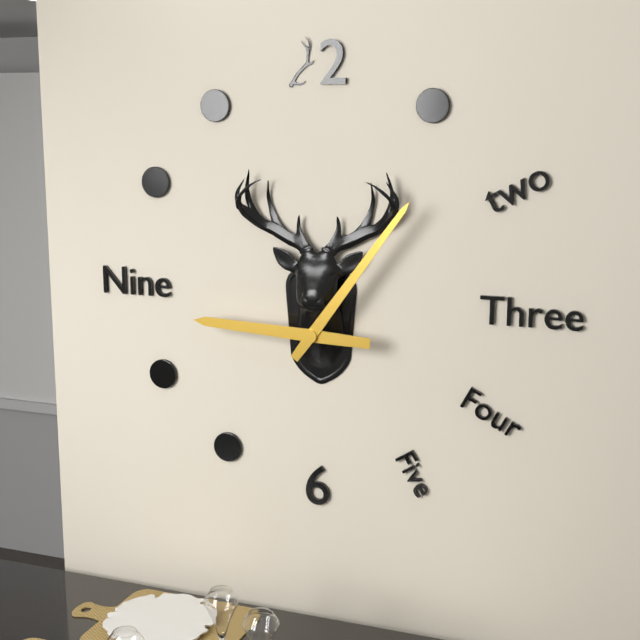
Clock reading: h=9 m=6
